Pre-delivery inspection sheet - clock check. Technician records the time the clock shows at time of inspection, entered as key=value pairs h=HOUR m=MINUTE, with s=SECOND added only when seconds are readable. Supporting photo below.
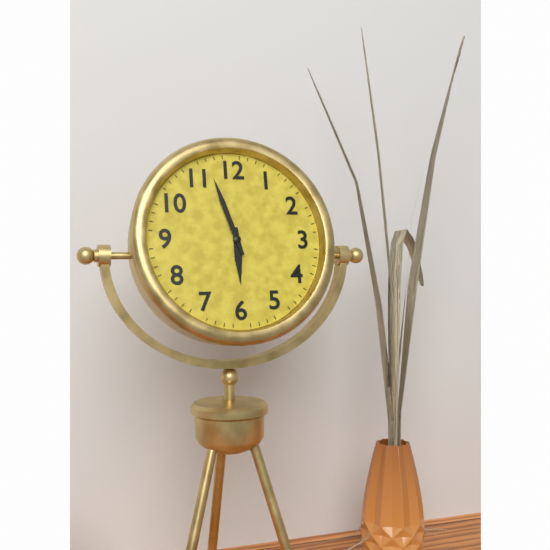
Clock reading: h=5 m=57
